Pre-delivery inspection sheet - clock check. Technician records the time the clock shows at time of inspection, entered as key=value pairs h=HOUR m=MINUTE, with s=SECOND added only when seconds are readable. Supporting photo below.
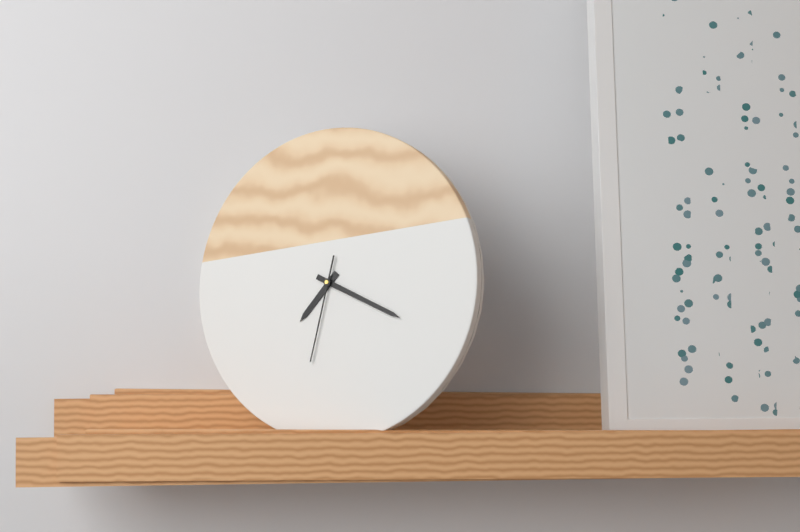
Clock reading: h=7 m=19 s=32
